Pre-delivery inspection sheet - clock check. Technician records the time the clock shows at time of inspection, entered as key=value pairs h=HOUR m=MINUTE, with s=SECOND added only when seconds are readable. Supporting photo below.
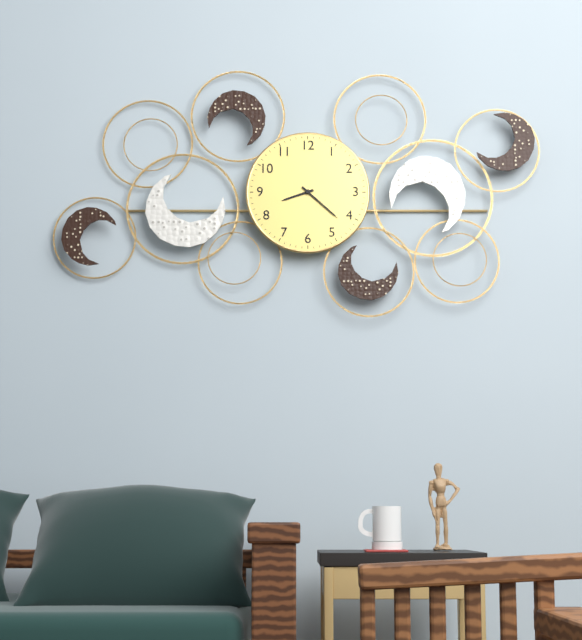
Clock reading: h=8 m=22
